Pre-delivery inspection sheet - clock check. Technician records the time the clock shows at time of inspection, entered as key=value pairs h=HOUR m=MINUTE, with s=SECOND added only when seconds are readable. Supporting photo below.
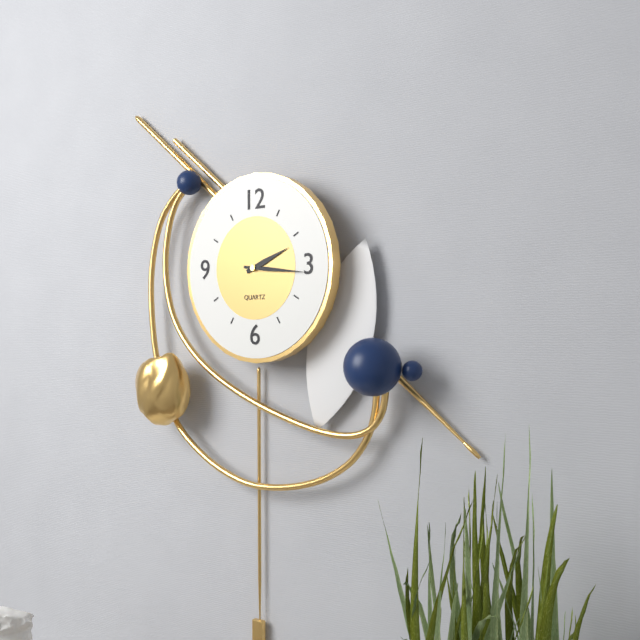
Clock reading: h=2 m=16
